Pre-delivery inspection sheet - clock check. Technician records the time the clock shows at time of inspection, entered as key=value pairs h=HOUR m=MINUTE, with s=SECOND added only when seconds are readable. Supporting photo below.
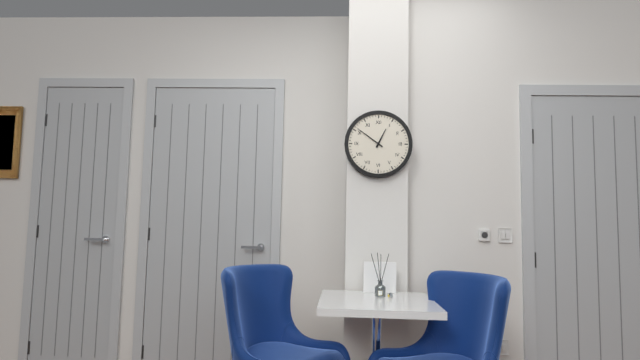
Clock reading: h=12 m=51
